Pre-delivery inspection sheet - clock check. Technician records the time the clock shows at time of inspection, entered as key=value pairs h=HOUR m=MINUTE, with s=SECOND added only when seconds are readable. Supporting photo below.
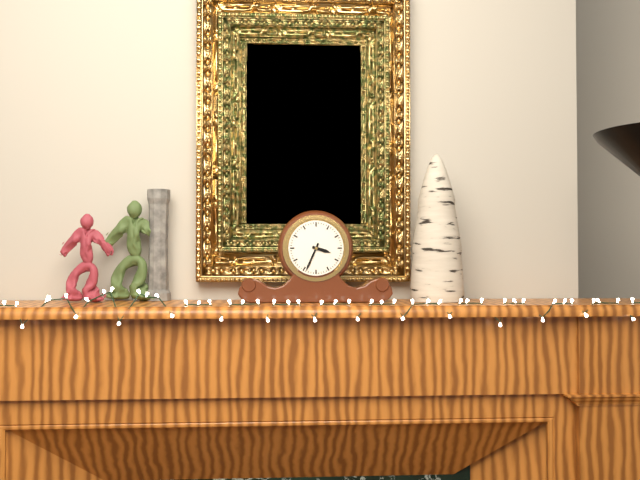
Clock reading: h=3 m=34
